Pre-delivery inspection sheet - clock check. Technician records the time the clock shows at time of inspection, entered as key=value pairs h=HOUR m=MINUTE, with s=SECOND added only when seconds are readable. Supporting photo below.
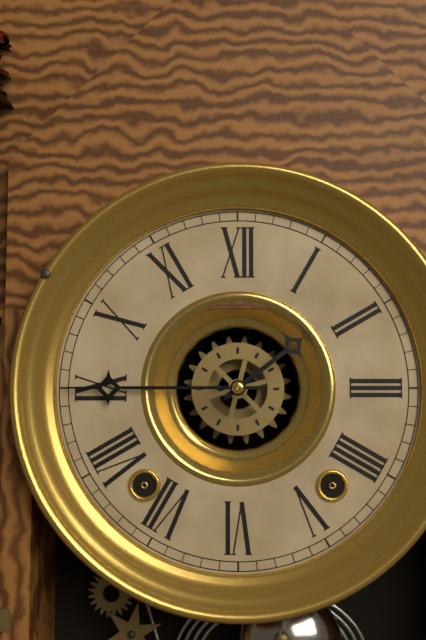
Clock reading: h=1 m=45
